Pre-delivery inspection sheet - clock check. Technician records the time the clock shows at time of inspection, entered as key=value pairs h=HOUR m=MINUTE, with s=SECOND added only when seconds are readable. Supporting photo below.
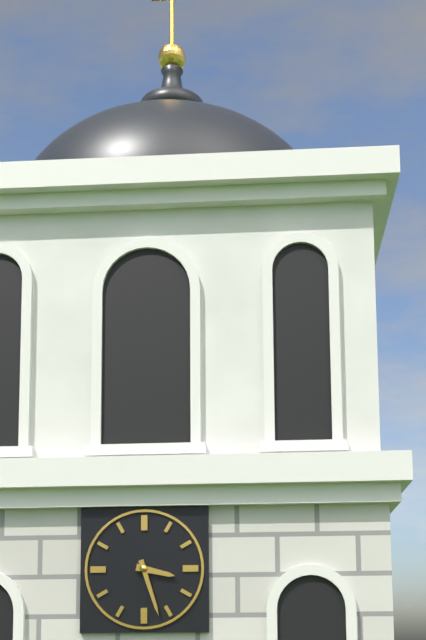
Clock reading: h=3 m=27
